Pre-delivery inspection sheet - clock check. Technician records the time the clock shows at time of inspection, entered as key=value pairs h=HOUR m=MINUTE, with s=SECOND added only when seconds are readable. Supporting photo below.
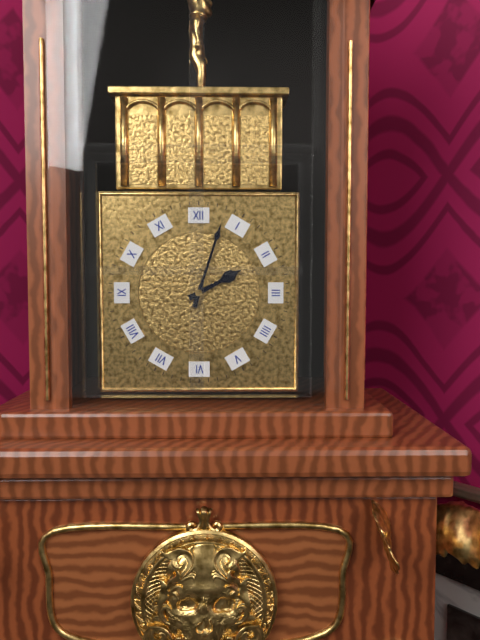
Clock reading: h=2 m=3
